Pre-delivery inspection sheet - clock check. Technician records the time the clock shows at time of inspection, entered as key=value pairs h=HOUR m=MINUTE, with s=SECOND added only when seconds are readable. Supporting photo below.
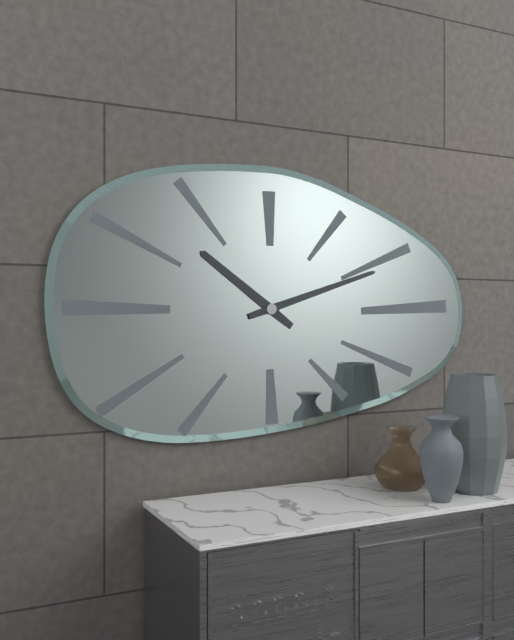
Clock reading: h=10 m=12
